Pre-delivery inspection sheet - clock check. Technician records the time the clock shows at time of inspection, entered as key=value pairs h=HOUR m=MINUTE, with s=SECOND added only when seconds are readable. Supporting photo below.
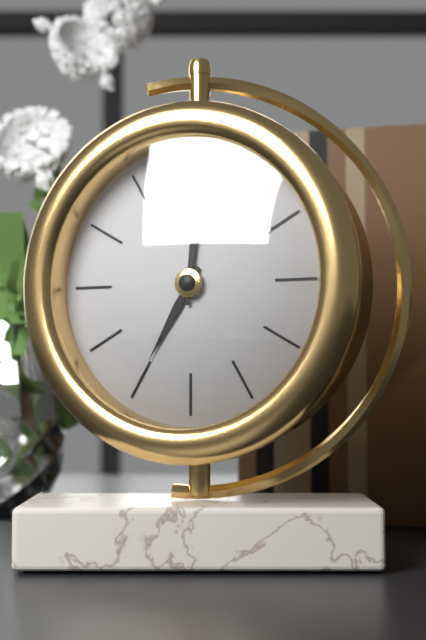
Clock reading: h=7 m=1
